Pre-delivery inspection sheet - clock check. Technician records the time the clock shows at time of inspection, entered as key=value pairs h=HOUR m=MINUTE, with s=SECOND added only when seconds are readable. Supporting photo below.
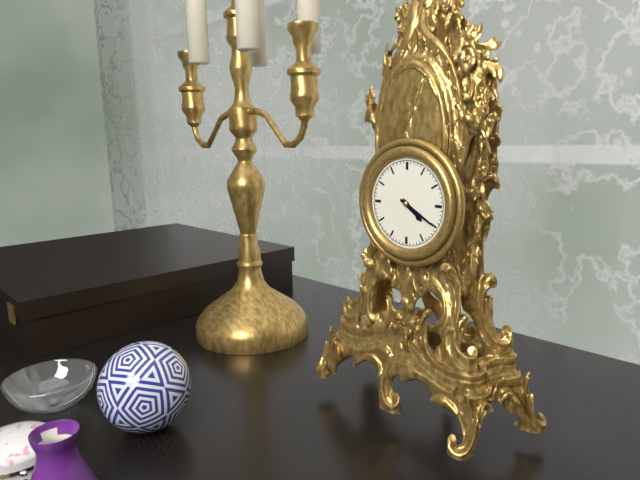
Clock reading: h=4 m=20
